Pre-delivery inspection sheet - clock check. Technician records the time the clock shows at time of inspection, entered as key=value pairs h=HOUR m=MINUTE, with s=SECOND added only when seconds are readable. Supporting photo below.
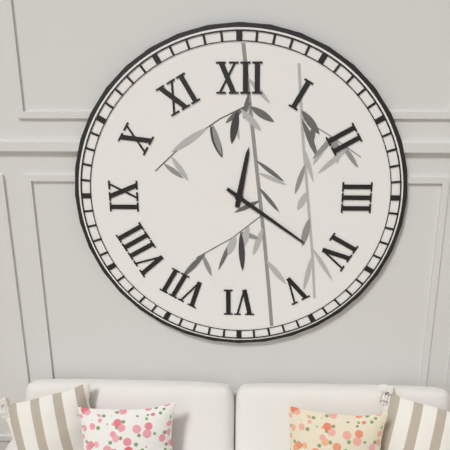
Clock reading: h=12 m=21
